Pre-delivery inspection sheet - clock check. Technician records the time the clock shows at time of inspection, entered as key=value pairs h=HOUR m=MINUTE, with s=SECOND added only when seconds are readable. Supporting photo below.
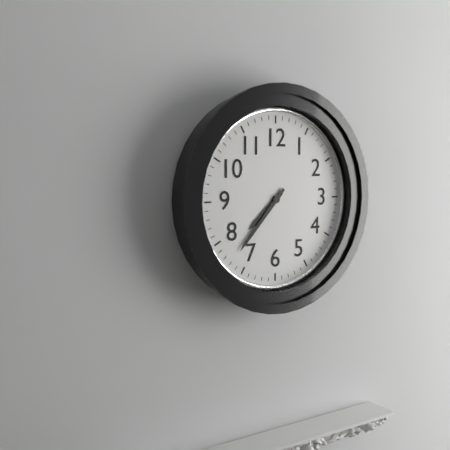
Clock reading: h=7 m=37
